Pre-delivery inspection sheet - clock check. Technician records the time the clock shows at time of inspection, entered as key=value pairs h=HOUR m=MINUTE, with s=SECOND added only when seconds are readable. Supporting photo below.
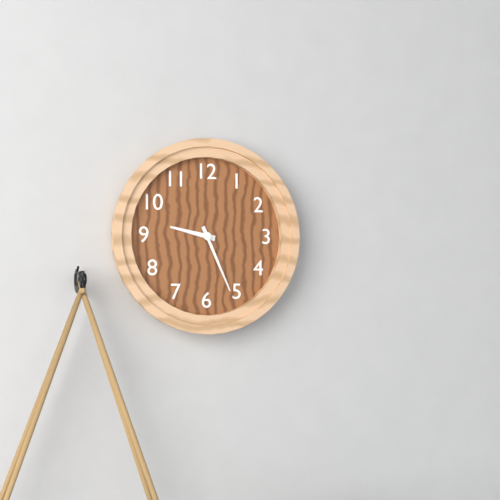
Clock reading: h=9 m=26
